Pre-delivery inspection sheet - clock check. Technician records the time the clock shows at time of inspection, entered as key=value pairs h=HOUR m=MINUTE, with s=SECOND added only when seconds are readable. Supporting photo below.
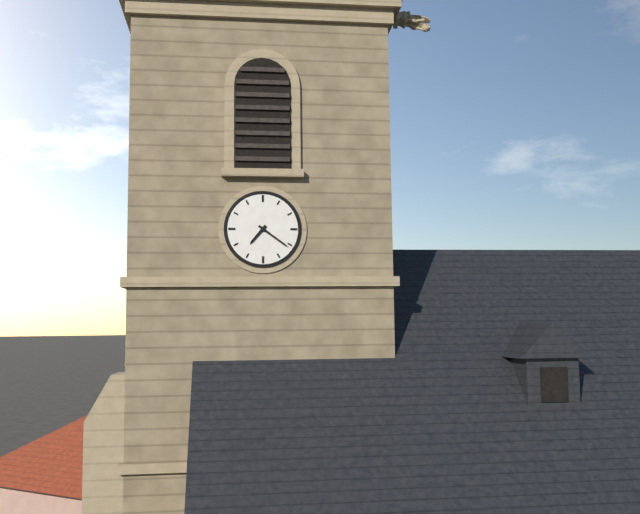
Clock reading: h=7 m=21
